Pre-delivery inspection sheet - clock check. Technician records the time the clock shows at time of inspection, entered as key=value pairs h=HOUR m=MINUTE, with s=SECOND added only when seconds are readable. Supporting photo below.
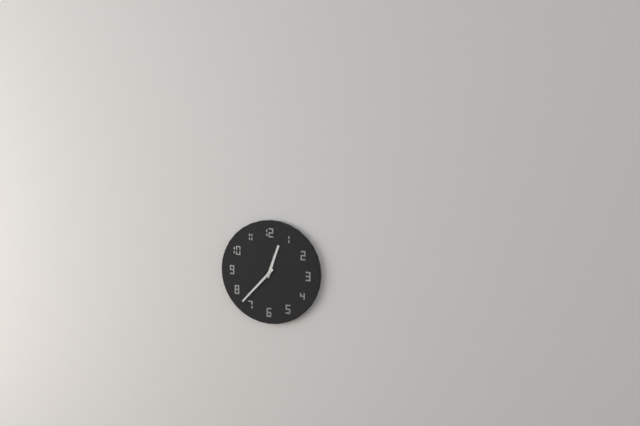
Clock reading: h=12 m=37
